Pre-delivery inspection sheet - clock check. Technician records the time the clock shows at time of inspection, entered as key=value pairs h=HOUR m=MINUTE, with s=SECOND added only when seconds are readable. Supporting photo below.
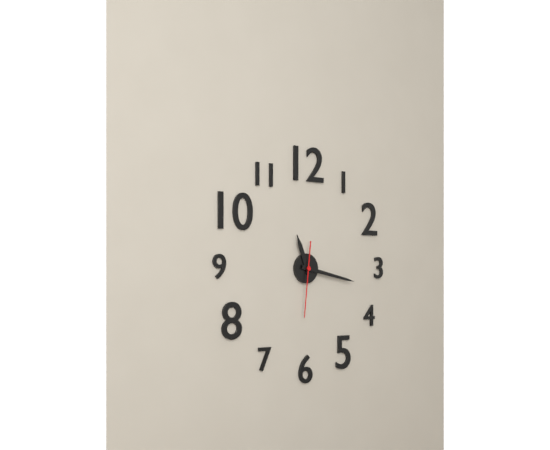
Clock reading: h=11 m=17 s=31
